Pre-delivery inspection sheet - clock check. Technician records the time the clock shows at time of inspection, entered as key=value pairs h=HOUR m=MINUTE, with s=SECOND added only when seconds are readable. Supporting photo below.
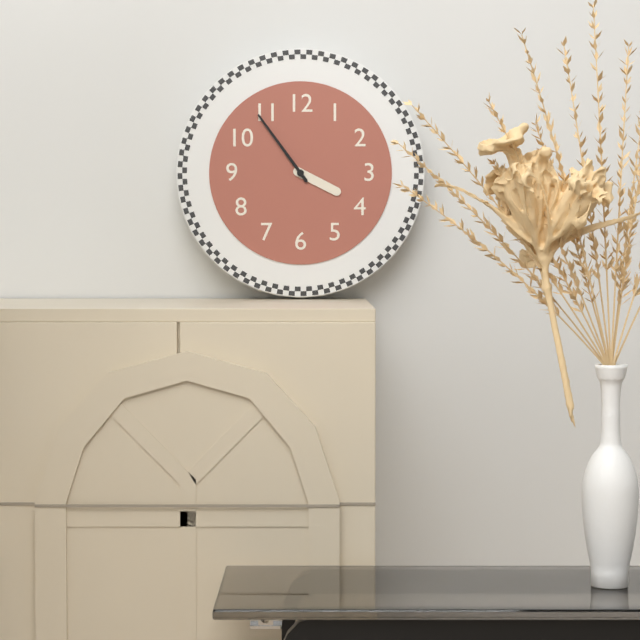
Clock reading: h=3 m=54
